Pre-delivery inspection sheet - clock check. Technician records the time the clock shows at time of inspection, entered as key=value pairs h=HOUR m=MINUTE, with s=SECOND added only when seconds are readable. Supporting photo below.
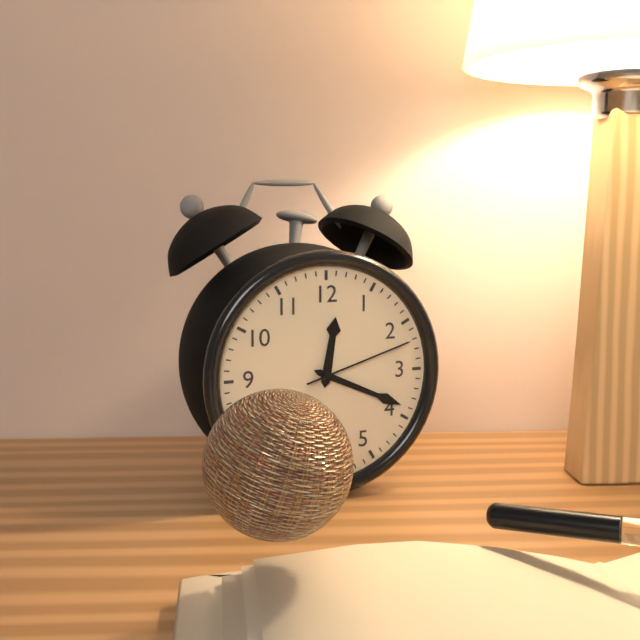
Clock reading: h=12 m=19 s=12
